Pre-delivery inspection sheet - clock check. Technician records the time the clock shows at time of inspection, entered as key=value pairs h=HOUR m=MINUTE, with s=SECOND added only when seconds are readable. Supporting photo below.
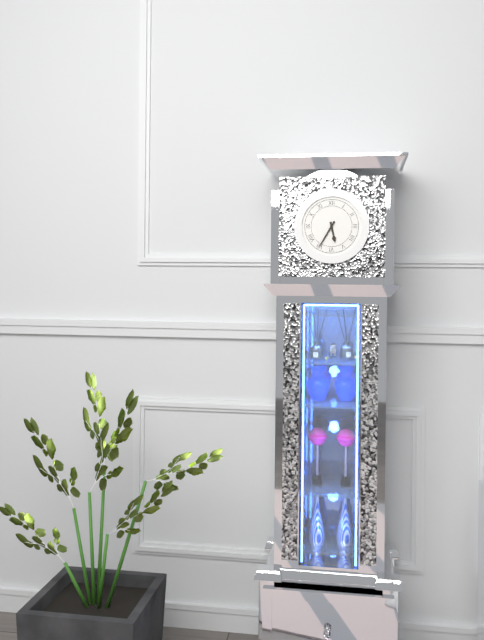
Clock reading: h=5 m=35
